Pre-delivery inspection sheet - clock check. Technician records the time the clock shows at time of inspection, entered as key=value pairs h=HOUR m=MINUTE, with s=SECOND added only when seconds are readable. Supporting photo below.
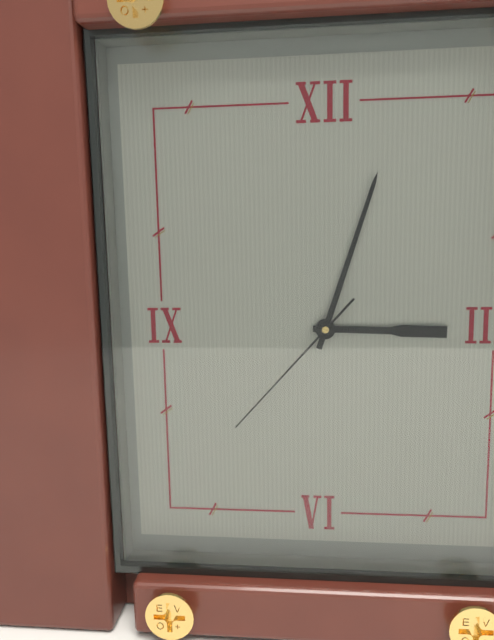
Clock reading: h=3 m=3 s=37
